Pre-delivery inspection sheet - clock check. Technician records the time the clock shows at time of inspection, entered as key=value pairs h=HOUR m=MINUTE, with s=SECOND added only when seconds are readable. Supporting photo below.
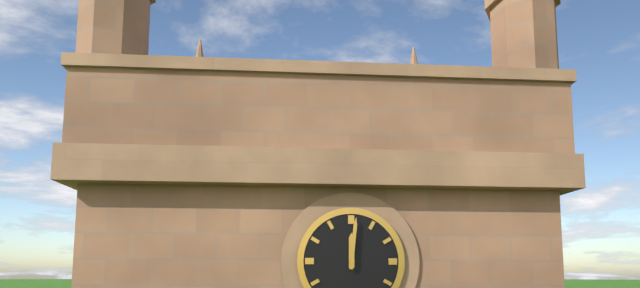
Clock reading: h=12 m=1
